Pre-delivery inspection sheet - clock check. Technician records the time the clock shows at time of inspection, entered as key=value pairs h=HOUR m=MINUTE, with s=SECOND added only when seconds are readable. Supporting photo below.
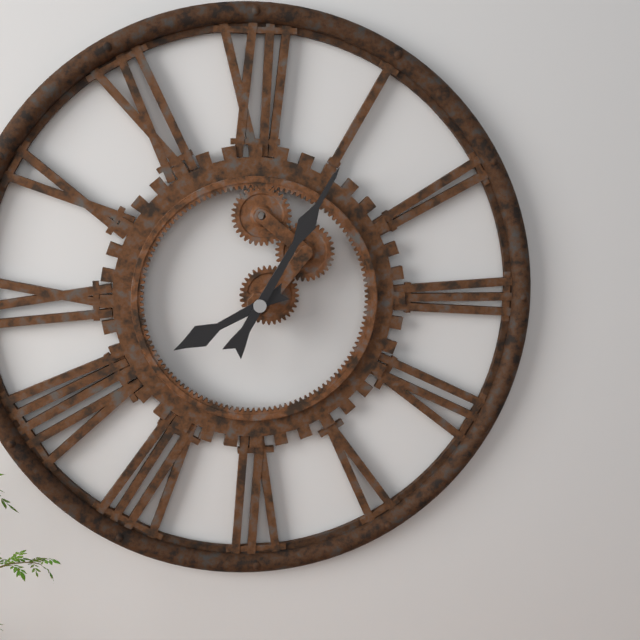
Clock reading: h=8 m=5
